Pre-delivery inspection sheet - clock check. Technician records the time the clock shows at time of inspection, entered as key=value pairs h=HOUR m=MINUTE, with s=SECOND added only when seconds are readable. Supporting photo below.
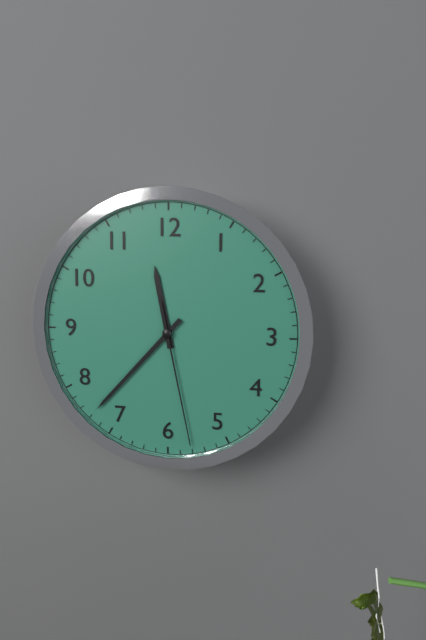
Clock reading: h=11 m=37 s=28
